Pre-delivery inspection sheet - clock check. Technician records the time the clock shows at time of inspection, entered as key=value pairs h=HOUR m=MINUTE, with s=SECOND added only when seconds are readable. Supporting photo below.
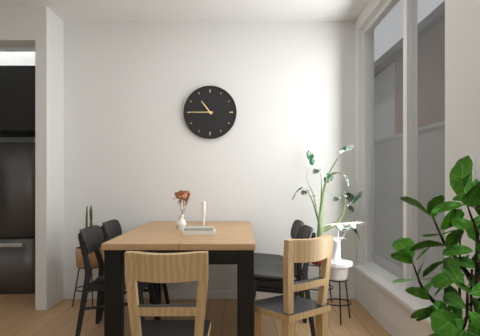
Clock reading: h=10 m=45
